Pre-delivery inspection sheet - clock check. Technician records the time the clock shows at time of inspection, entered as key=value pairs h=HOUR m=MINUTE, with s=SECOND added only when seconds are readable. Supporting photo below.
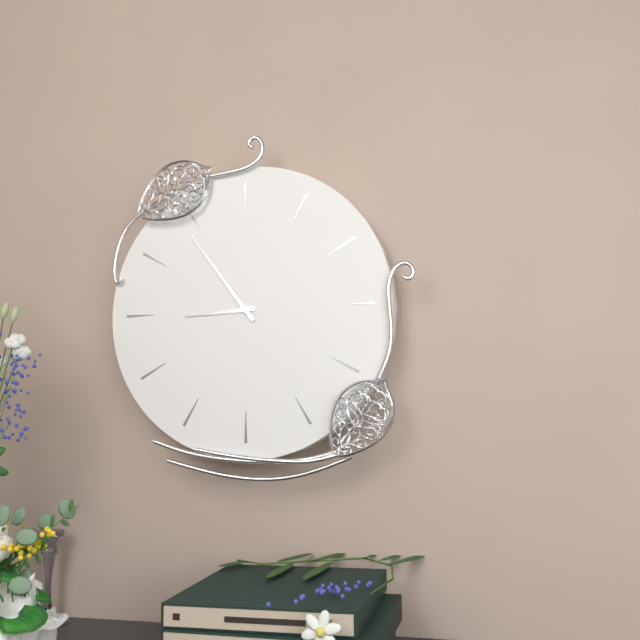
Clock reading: h=8 m=54
